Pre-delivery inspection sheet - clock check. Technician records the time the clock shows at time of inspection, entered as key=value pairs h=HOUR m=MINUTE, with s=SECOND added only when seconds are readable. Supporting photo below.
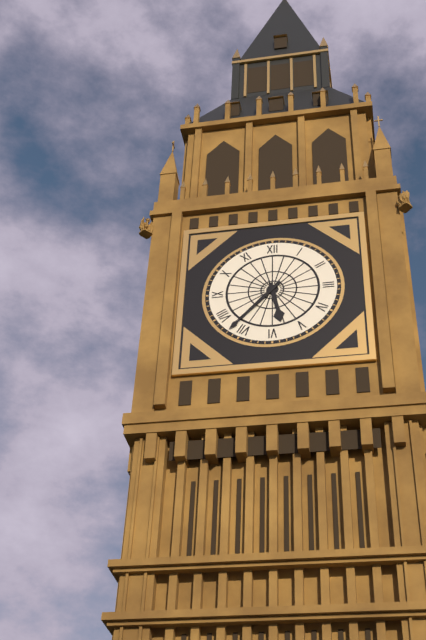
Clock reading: h=5 m=37
